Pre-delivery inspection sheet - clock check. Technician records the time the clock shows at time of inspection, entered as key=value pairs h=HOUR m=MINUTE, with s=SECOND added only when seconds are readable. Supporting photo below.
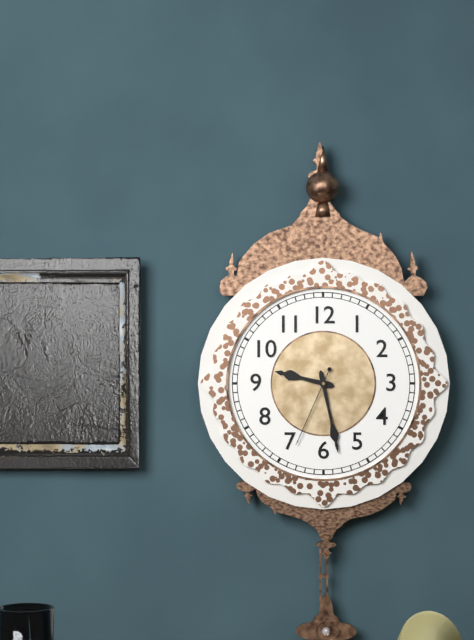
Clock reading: h=9 m=28 s=34
